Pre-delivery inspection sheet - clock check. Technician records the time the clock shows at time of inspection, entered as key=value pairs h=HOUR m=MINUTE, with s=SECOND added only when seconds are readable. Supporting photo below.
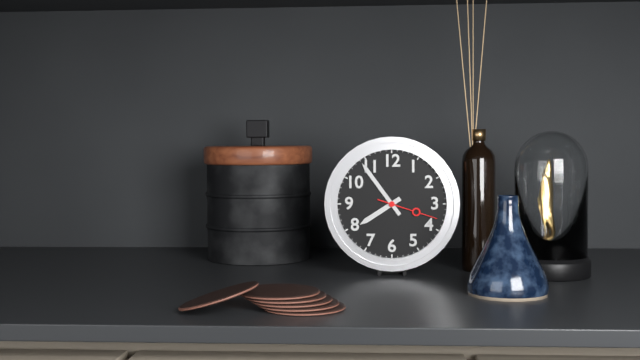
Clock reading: h=7 m=54 s=18
